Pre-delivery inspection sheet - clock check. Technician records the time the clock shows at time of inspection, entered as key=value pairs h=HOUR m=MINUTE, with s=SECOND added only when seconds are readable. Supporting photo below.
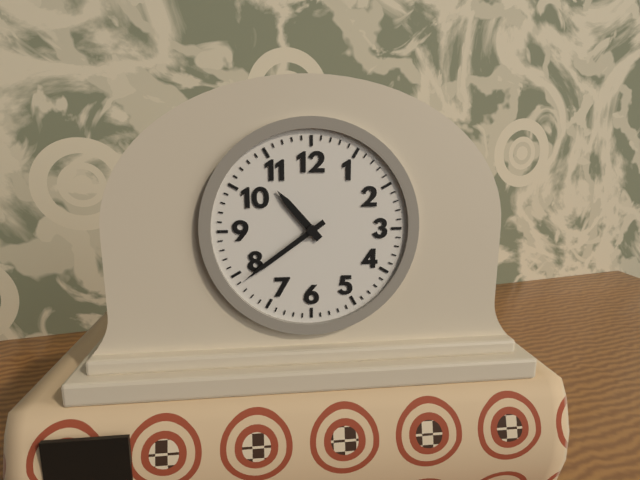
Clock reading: h=10 m=39
